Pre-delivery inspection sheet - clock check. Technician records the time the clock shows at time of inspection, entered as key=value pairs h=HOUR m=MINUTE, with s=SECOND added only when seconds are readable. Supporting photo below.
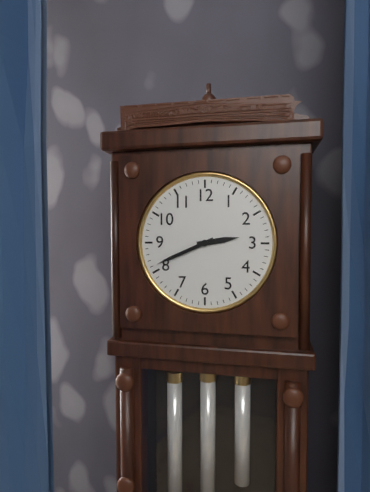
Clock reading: h=2 m=41
